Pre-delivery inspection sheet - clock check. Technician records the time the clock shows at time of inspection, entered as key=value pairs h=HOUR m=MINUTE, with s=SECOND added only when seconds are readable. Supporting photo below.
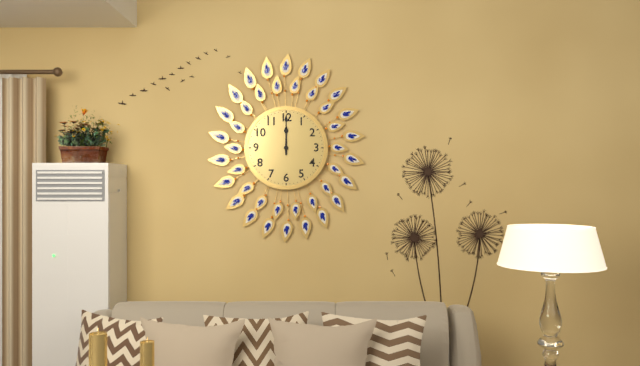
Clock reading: h=12 m=0
